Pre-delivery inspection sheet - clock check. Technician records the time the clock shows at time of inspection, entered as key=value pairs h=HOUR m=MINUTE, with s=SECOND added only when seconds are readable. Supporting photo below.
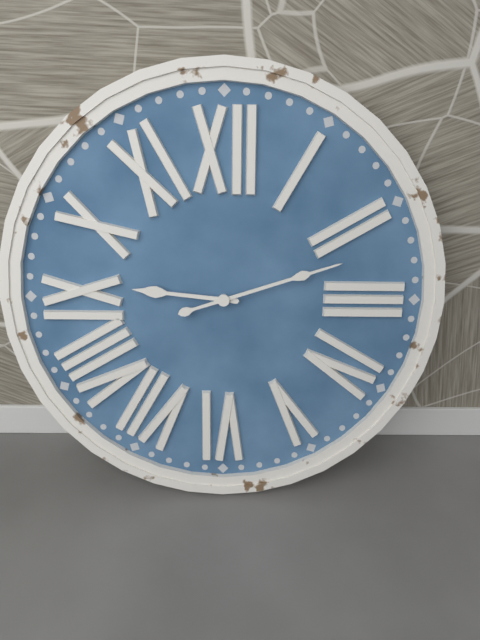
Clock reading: h=9 m=12
